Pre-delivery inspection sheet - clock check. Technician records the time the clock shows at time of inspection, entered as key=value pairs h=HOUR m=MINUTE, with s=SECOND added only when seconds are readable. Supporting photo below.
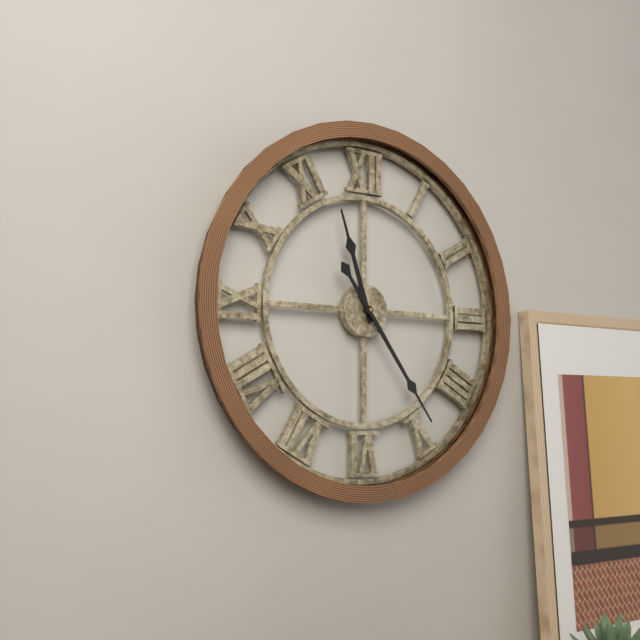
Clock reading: h=11 m=24
